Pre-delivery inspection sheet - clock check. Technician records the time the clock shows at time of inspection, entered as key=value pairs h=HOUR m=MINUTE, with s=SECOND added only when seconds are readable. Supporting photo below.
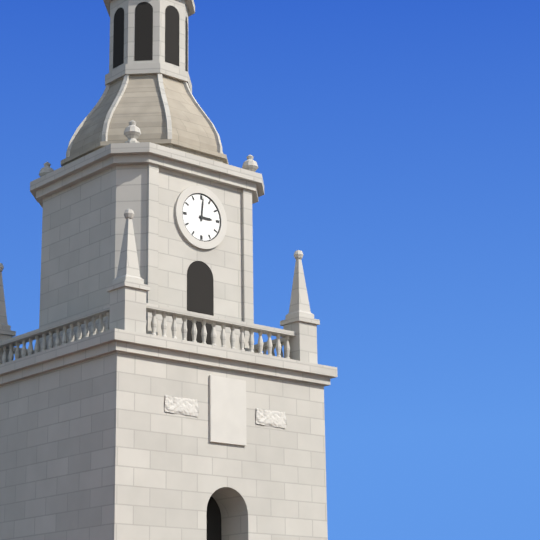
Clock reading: h=3 m=1
